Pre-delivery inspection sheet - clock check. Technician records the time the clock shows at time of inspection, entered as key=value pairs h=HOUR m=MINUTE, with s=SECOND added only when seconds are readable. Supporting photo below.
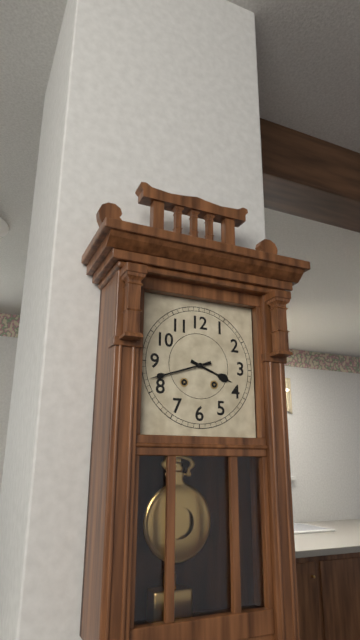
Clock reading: h=3 m=42
